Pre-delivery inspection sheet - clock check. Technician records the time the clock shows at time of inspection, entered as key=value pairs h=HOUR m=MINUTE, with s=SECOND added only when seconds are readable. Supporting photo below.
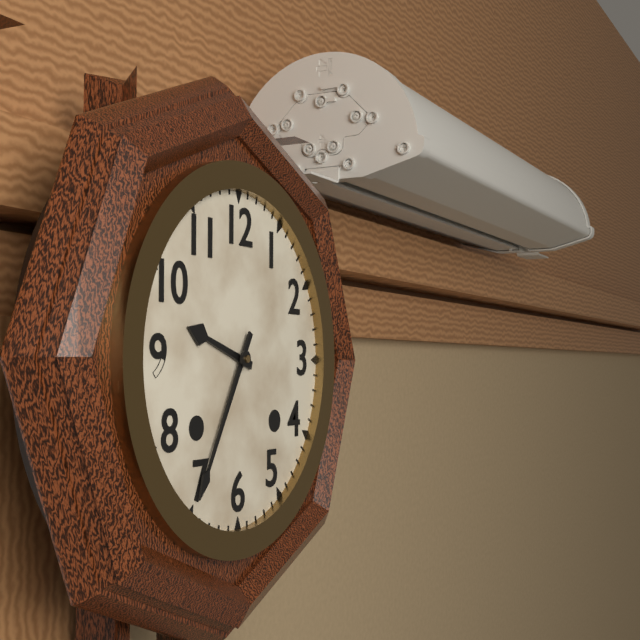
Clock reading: h=9 m=35
